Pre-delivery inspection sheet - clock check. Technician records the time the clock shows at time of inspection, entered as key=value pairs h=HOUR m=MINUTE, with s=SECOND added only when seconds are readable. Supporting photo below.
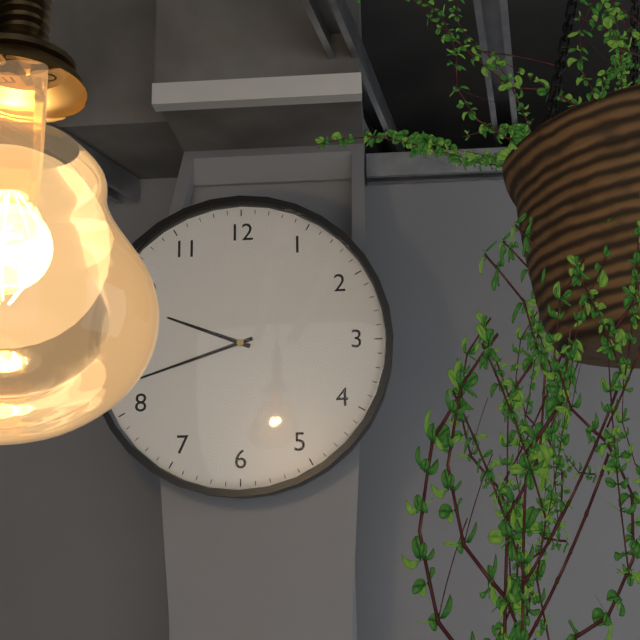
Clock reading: h=9 m=42
